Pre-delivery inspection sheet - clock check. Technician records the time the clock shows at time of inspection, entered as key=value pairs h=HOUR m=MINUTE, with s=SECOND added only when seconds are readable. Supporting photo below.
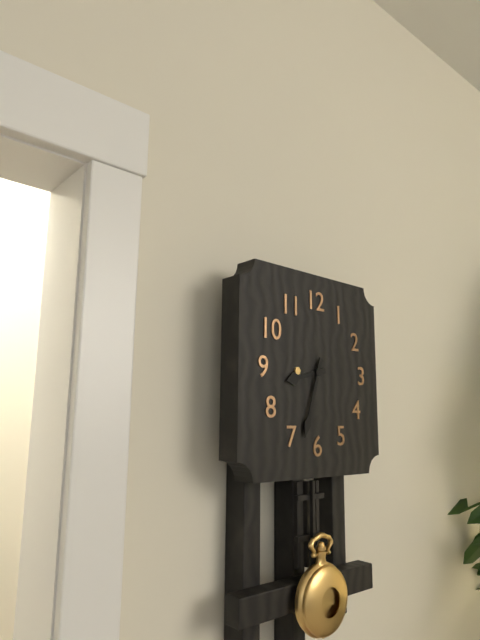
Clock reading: h=8 m=33
